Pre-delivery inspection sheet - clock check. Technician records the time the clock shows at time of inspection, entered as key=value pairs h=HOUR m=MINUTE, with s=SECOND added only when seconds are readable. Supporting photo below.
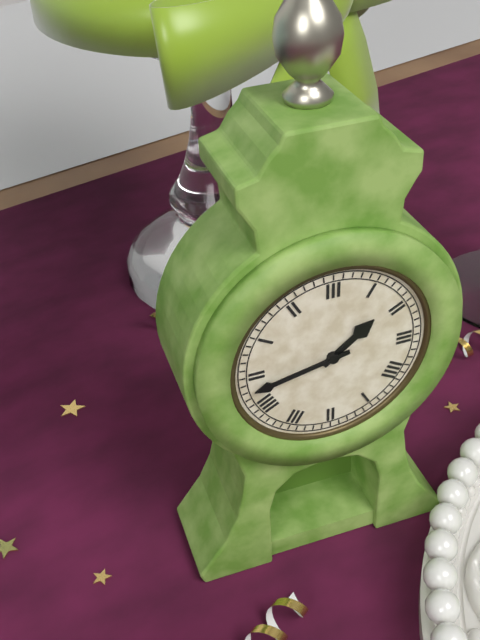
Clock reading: h=1 m=43
